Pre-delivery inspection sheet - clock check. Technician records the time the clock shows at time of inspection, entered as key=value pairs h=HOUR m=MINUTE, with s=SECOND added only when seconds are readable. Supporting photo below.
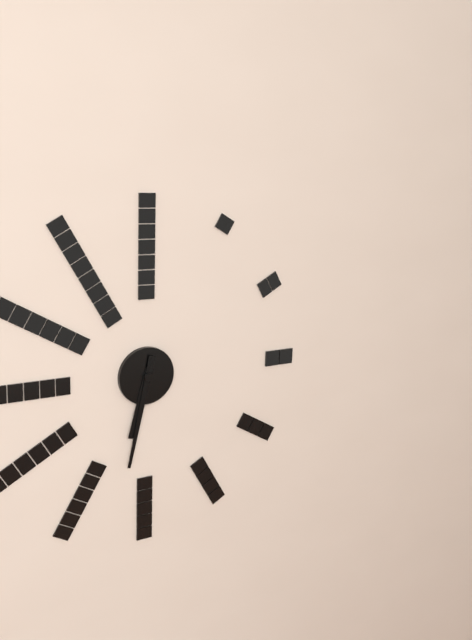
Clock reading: h=6 m=32
